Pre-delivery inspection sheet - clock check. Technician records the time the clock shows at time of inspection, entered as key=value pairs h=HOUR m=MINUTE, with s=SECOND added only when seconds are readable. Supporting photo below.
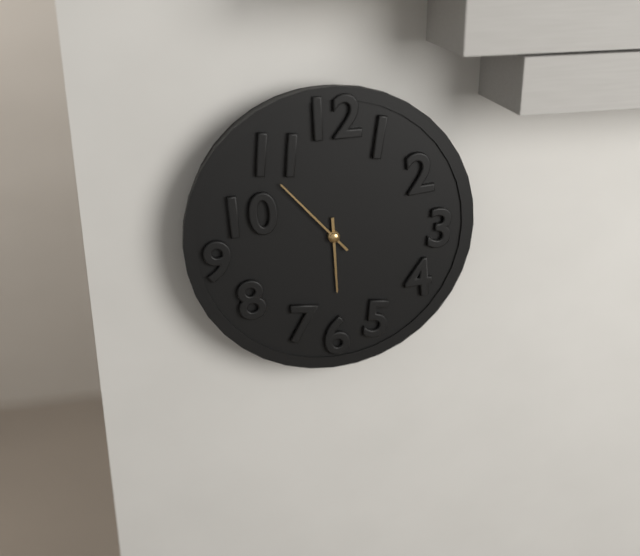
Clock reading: h=5 m=53
